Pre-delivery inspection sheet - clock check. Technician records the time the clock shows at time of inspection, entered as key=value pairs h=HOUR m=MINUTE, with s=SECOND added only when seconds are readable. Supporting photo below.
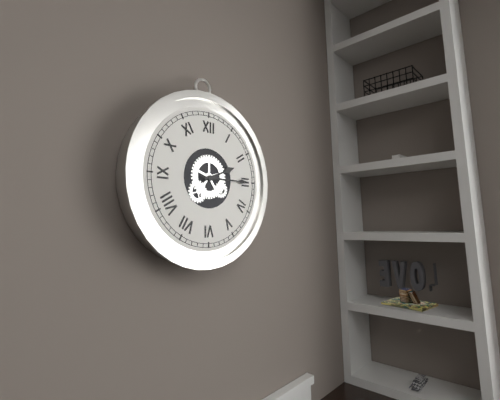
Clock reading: h=2 m=15
